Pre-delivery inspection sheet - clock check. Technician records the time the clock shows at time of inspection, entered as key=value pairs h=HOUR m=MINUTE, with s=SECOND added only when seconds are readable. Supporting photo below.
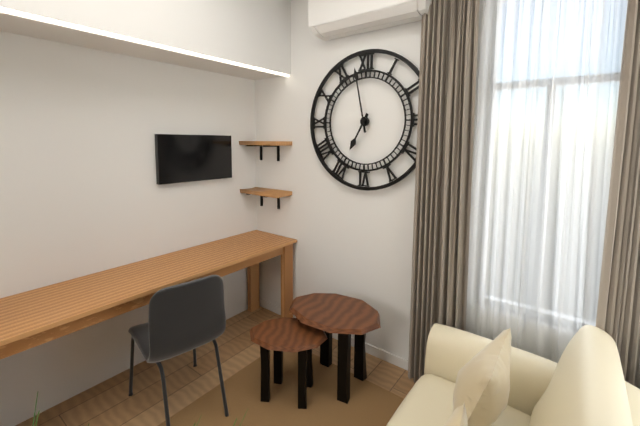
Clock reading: h=6 m=58
